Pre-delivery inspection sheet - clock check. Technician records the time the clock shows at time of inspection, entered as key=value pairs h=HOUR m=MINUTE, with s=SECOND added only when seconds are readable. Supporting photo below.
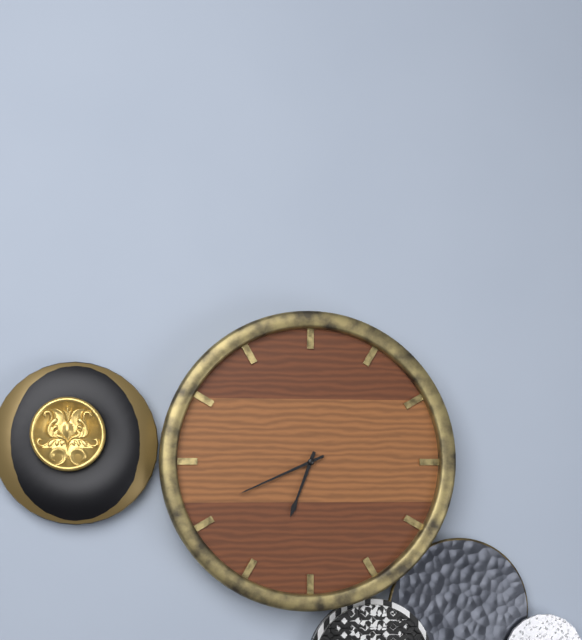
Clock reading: h=6 m=41
